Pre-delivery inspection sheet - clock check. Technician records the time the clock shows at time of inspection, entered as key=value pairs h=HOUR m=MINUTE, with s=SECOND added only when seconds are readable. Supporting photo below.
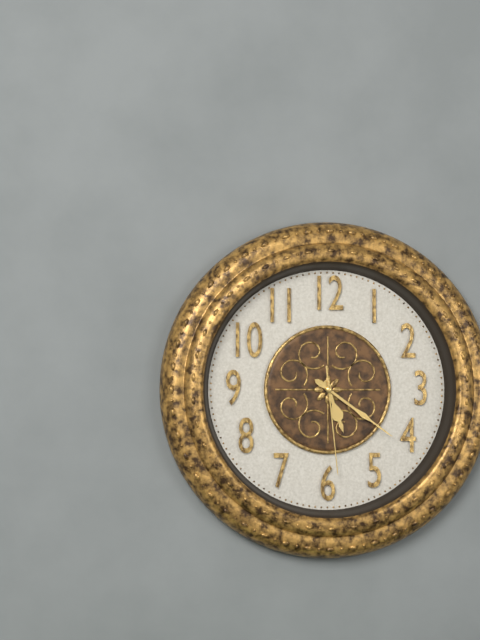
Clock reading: h=5 m=21 s=29
